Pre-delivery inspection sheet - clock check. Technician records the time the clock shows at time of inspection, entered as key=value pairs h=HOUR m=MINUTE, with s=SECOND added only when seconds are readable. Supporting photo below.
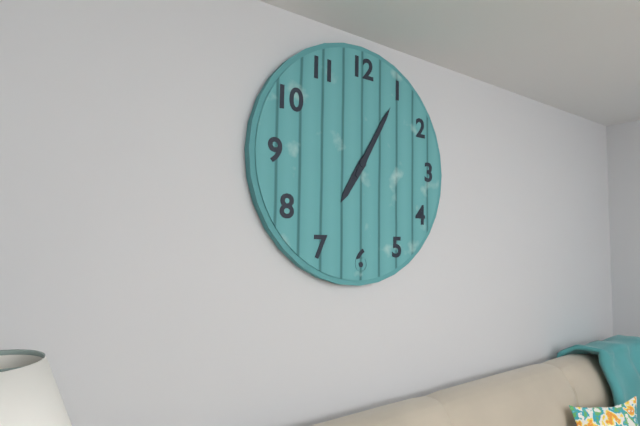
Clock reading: h=7 m=5
